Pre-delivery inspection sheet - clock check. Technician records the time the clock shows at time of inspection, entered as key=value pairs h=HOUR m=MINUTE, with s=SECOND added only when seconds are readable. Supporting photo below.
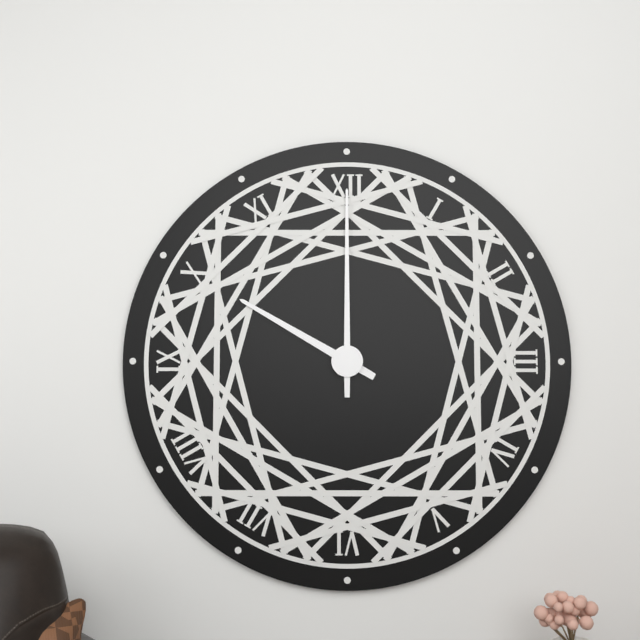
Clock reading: h=10 m=0
